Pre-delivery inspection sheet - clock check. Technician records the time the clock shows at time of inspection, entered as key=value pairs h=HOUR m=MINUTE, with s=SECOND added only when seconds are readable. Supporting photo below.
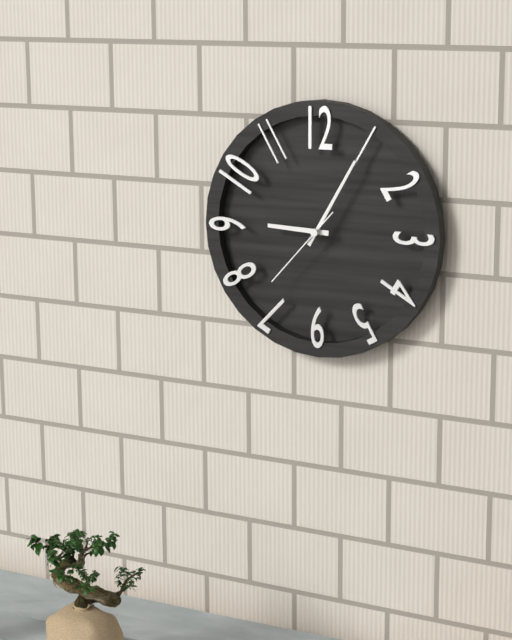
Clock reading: h=9 m=5 s=37
